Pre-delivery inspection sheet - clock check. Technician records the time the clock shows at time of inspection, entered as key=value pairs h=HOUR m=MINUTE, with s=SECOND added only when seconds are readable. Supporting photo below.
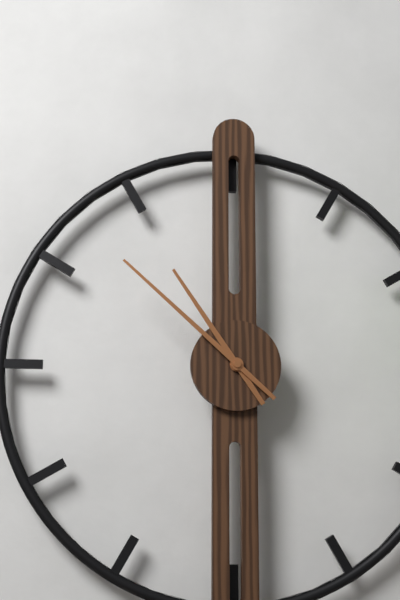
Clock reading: h=10 m=52
